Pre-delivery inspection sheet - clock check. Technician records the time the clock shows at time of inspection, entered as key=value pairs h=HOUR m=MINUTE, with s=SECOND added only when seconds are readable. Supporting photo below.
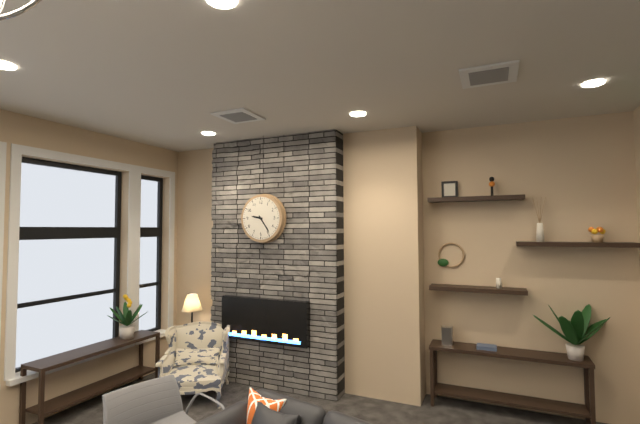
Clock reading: h=9 m=24
